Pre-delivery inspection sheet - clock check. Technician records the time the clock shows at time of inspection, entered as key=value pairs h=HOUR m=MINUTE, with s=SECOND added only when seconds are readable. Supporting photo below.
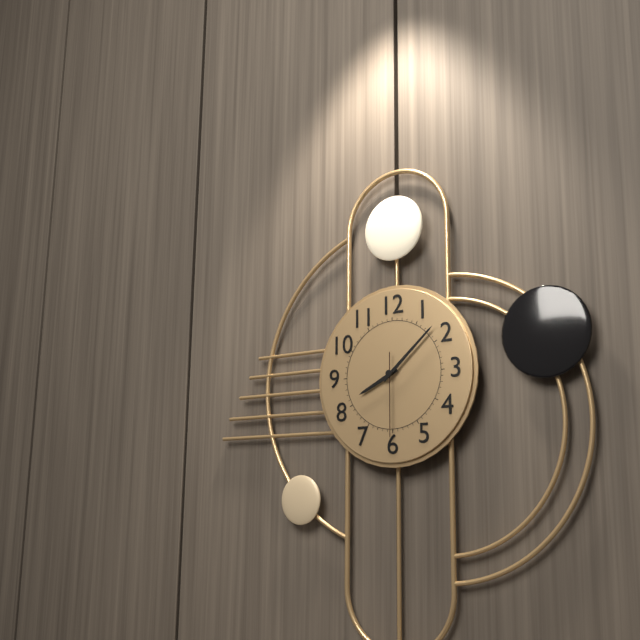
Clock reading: h=8 m=8 s=30
